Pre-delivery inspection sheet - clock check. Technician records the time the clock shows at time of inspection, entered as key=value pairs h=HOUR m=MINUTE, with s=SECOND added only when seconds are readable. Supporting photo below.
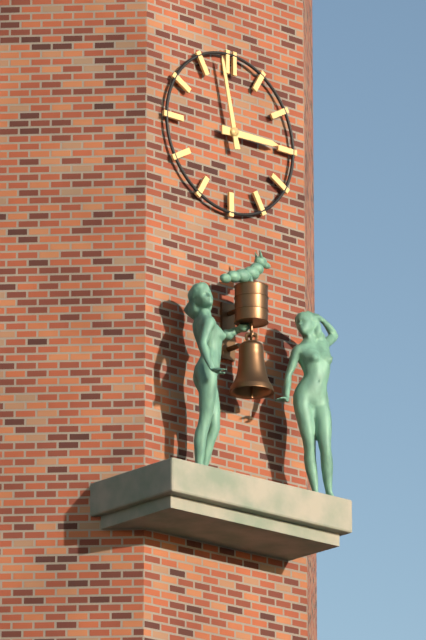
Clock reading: h=2 m=58
